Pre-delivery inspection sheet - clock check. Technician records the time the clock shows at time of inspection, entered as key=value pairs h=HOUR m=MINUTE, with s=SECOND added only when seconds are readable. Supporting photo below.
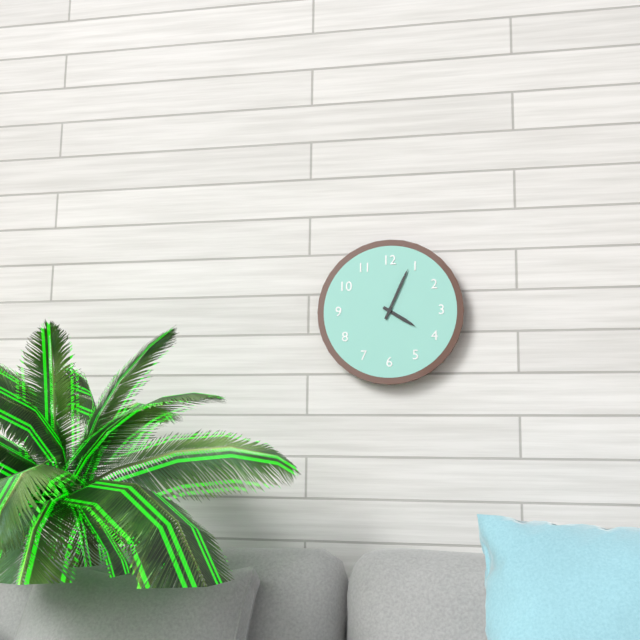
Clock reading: h=4 m=4
